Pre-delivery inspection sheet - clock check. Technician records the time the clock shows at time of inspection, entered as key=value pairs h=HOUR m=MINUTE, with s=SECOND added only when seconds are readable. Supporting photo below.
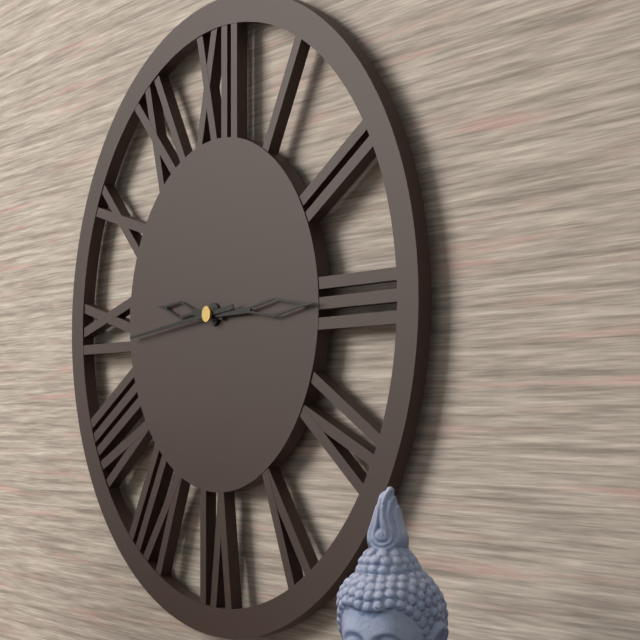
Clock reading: h=9 m=15 s=44
